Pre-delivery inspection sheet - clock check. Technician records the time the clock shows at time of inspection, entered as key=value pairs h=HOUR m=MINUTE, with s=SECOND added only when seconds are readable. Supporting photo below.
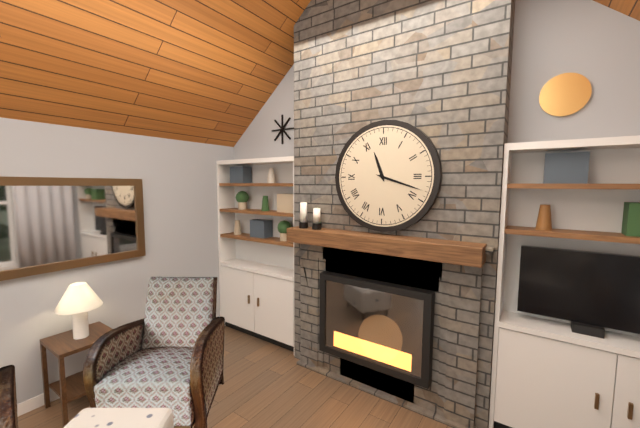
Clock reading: h=11 m=18
